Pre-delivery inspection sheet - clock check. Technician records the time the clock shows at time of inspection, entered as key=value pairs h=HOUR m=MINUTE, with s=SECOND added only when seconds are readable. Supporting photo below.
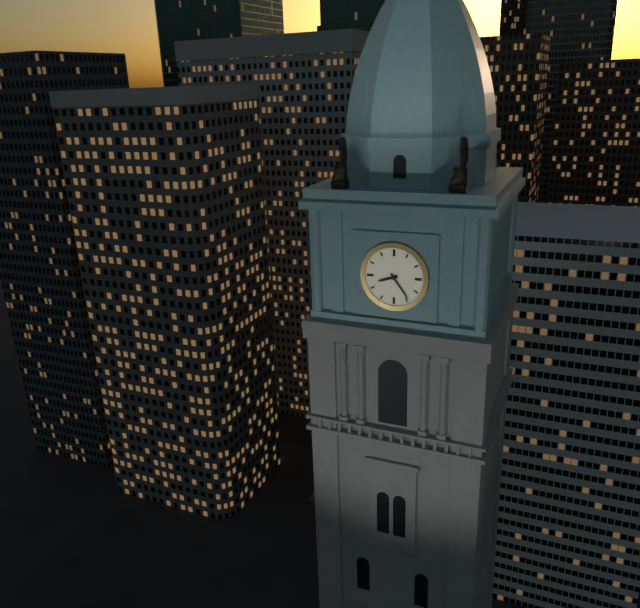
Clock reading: h=8 m=24
